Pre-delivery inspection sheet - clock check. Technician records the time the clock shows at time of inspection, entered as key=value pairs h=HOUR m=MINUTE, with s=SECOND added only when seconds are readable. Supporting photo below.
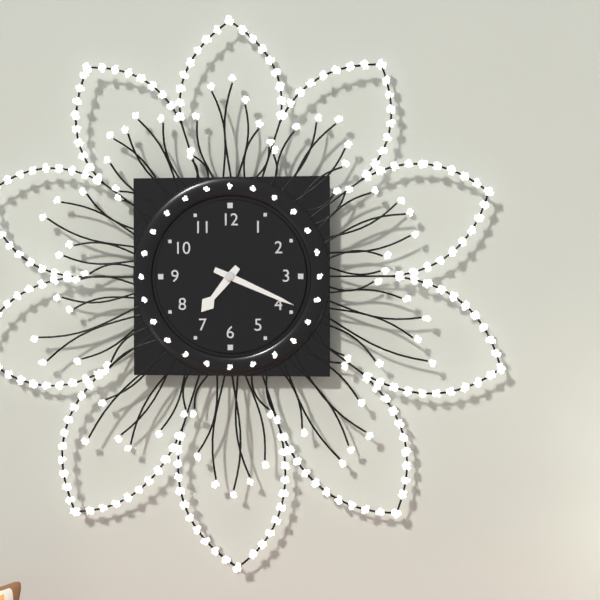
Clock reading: h=7 m=19
